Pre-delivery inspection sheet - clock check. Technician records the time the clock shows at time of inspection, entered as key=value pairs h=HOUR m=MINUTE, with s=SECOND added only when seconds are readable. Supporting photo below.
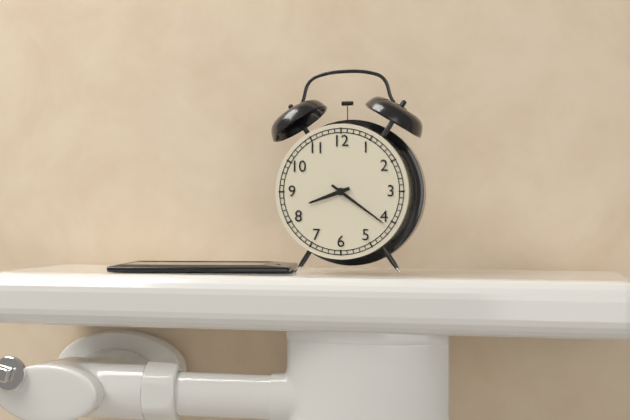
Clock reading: h=8 m=21
